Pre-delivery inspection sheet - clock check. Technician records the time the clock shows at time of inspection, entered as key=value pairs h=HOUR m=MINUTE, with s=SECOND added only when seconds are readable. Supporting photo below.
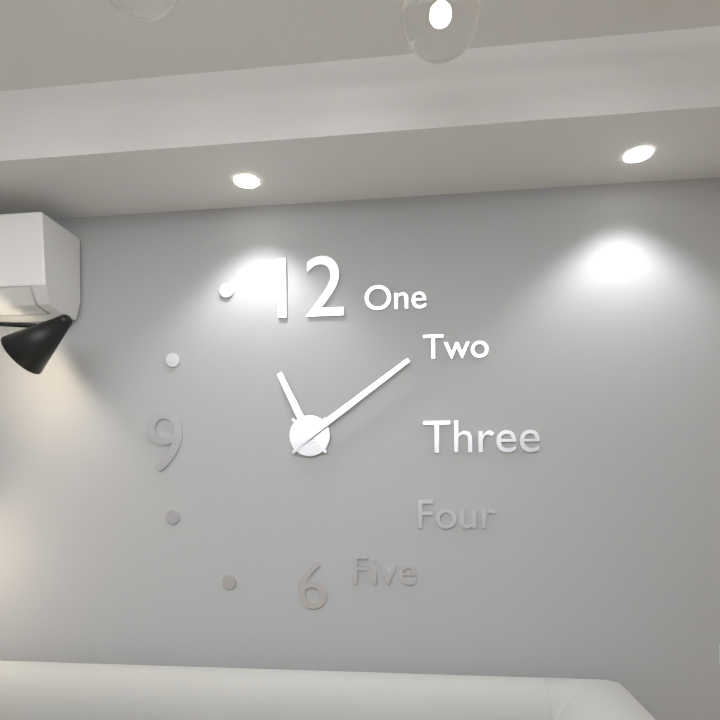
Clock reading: h=11 m=9
